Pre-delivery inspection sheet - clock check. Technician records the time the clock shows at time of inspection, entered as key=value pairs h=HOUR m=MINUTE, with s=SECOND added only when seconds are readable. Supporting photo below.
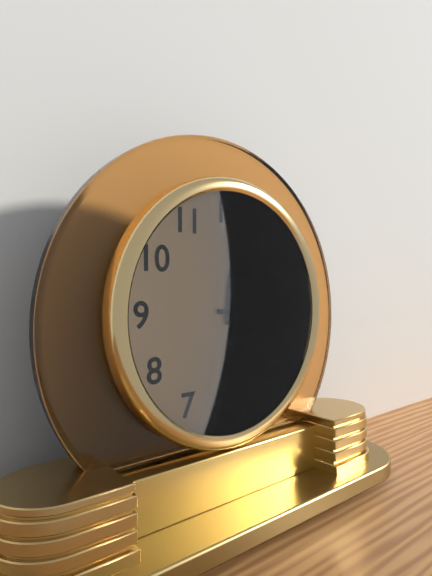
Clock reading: h=12 m=16
